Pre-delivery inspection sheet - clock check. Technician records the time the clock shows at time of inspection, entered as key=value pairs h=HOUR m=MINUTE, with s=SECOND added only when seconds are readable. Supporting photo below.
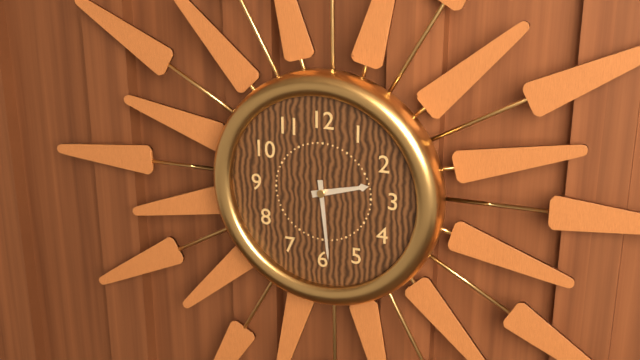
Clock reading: h=2 m=29
